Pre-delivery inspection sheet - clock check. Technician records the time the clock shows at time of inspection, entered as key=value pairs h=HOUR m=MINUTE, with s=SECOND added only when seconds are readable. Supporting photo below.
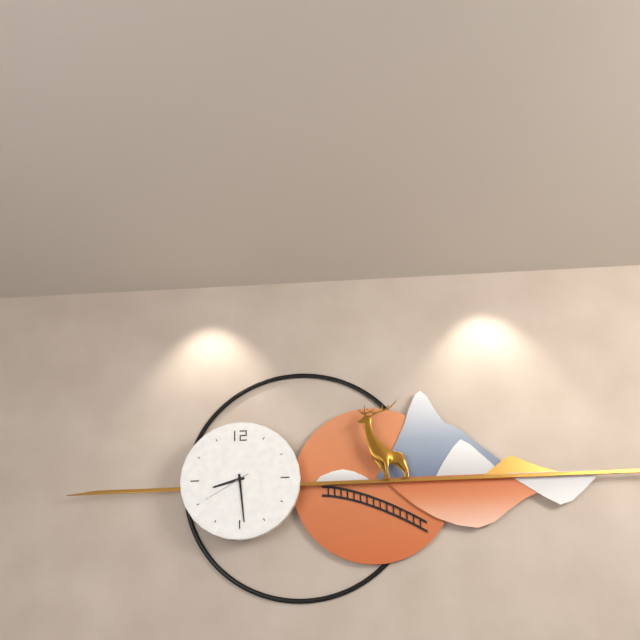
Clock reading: h=8 m=29 s=40
